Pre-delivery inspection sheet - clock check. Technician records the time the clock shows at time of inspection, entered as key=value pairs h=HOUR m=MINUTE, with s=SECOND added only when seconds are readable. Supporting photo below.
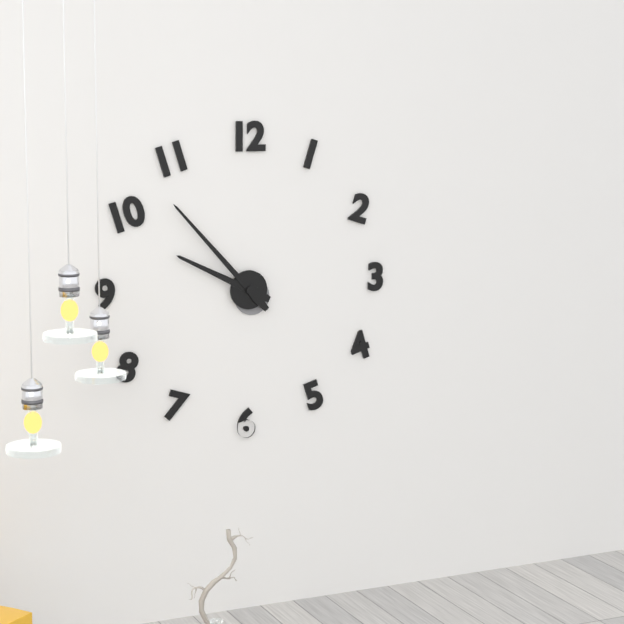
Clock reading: h=9 m=53
